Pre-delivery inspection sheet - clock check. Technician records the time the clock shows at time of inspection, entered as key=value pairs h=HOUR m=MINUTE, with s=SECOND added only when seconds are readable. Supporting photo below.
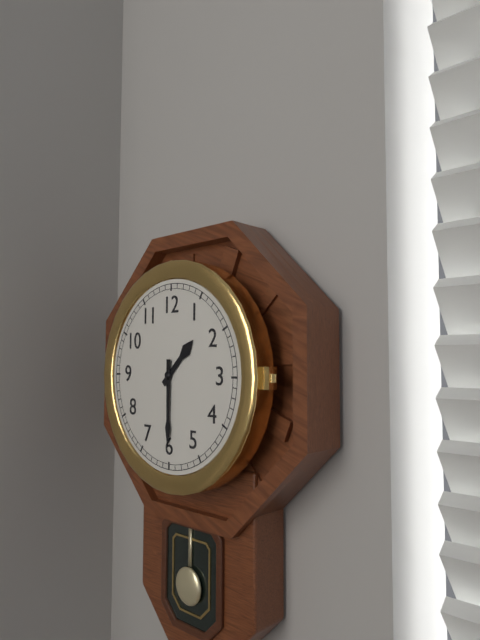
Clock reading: h=1 m=30
